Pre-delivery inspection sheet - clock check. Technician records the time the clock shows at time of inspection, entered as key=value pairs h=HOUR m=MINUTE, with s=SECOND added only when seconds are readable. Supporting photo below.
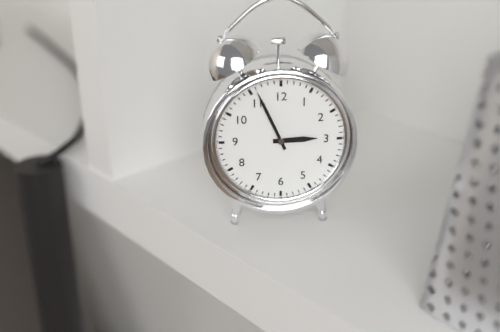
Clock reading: h=2 m=56
